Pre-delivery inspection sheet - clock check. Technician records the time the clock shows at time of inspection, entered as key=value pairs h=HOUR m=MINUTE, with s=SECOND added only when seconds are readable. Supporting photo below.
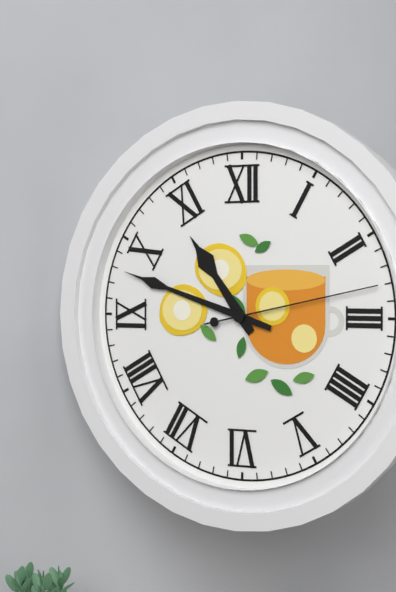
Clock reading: h=10 m=48 s=13
